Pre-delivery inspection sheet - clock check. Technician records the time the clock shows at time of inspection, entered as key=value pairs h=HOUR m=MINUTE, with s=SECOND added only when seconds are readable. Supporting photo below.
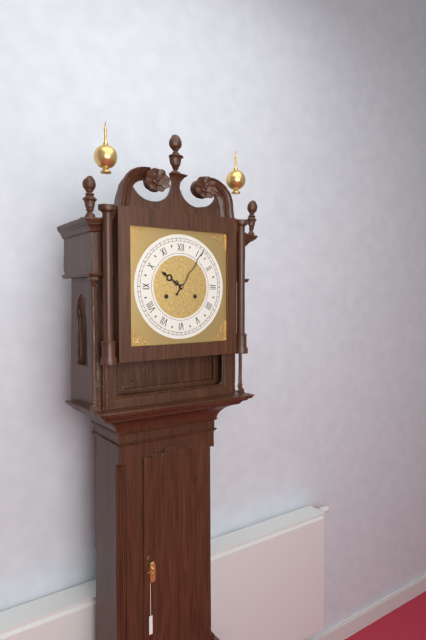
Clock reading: h=10 m=6
